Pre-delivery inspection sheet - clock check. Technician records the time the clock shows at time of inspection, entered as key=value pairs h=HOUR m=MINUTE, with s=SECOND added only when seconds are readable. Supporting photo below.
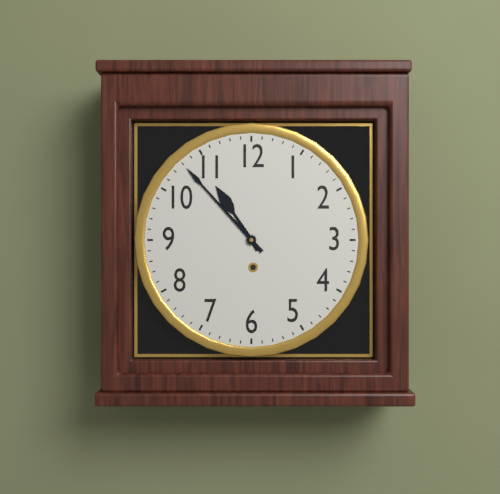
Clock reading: h=10 m=53
